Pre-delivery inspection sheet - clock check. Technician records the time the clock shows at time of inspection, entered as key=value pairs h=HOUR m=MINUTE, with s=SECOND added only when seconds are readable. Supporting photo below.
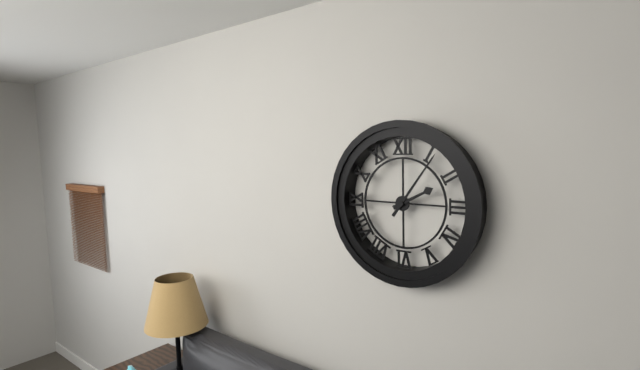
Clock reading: h=2 m=6
